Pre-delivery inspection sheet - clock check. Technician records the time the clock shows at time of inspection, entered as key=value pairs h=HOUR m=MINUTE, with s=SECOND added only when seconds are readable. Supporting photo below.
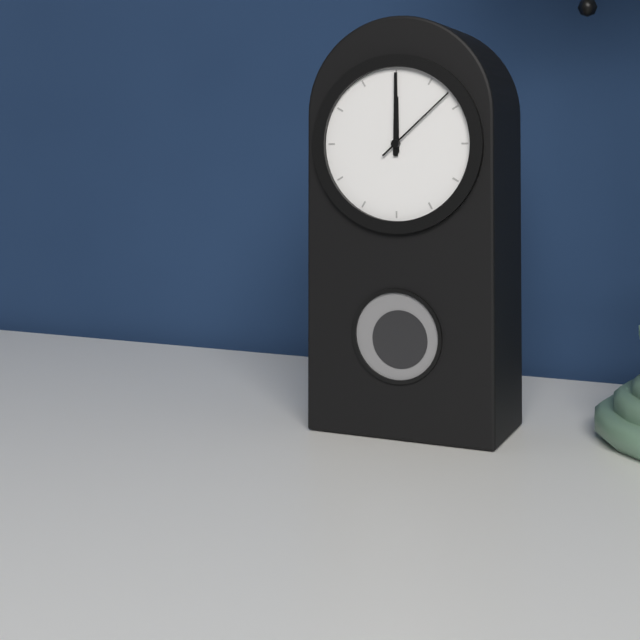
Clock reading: h=12 m=0 s=8
